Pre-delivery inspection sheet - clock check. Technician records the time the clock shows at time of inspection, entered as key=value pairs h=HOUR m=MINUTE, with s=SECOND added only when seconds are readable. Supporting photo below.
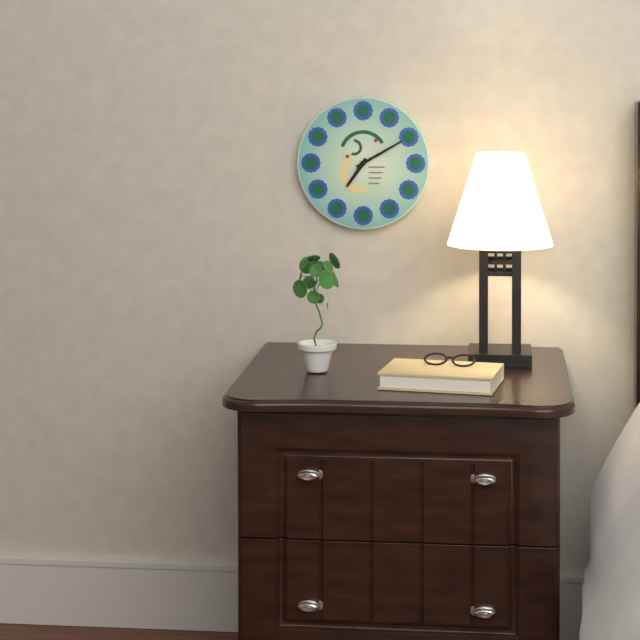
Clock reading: h=7 m=10
